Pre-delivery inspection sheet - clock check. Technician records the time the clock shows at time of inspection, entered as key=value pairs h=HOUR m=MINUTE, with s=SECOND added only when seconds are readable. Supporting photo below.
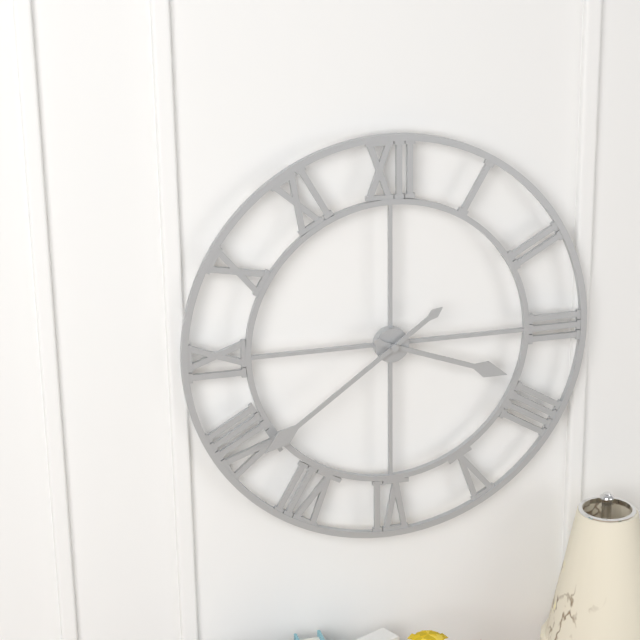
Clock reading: h=3 m=39
